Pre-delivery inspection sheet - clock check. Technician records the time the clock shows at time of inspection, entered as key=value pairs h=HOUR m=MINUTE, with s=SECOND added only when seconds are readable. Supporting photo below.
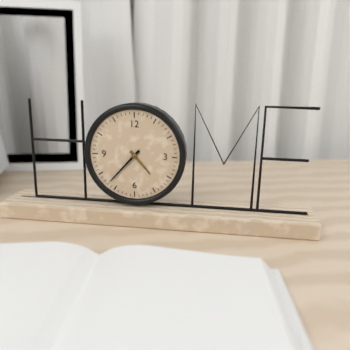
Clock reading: h=4 m=37
